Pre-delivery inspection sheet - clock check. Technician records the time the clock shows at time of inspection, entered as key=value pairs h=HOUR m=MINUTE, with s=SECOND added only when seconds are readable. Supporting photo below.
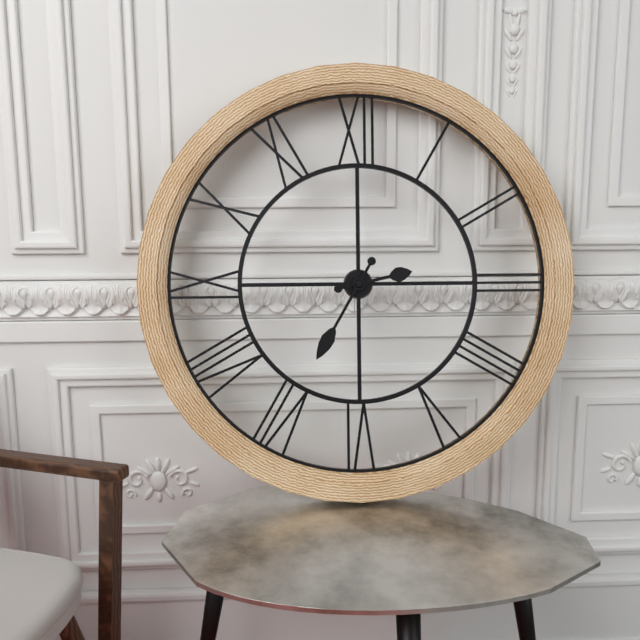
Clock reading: h=2 m=35
